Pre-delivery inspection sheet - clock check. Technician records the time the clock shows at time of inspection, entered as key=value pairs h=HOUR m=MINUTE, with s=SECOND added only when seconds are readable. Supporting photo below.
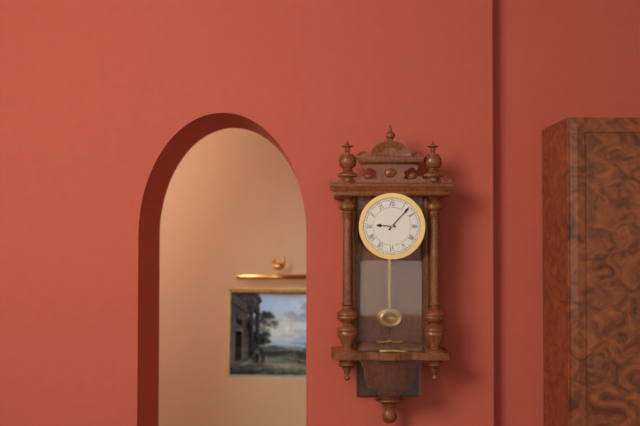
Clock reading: h=9 m=7
